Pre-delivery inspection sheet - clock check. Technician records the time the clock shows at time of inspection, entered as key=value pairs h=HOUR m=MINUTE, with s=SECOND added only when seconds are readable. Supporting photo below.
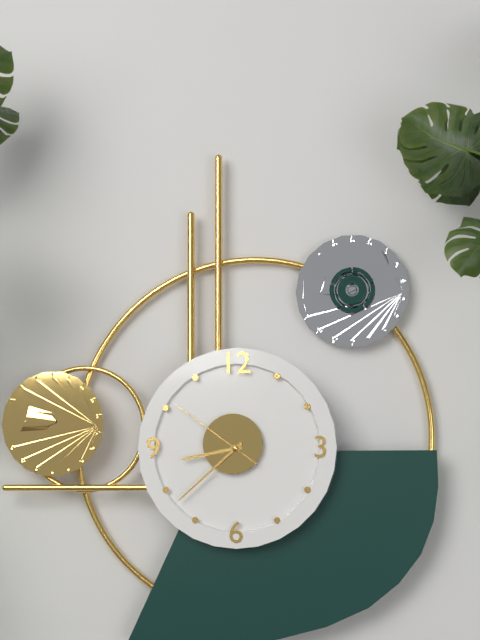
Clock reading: h=8 m=38 s=51
